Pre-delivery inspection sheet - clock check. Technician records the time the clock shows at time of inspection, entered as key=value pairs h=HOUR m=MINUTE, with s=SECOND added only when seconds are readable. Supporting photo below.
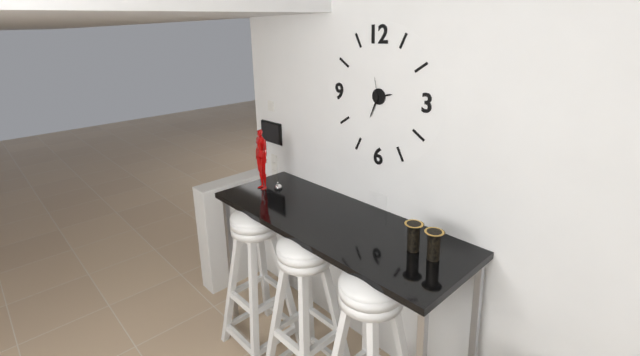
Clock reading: h=2 m=34
